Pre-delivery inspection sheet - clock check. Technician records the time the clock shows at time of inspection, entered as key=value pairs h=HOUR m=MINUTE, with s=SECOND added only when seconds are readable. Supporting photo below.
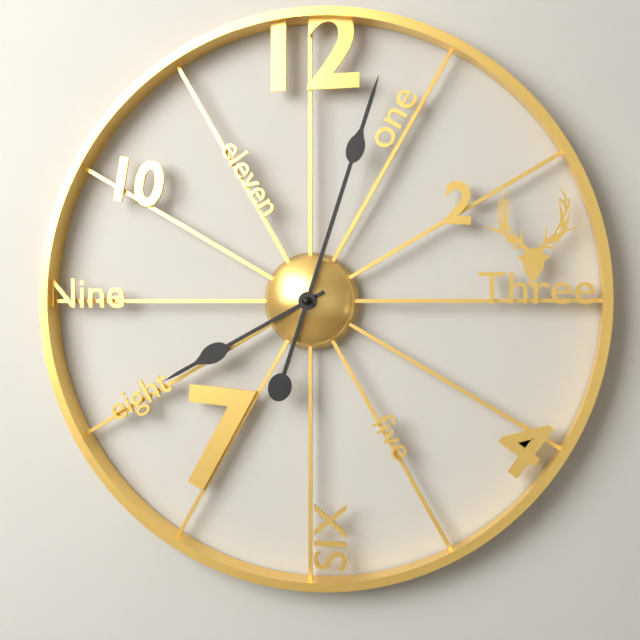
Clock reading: h=8 m=3
